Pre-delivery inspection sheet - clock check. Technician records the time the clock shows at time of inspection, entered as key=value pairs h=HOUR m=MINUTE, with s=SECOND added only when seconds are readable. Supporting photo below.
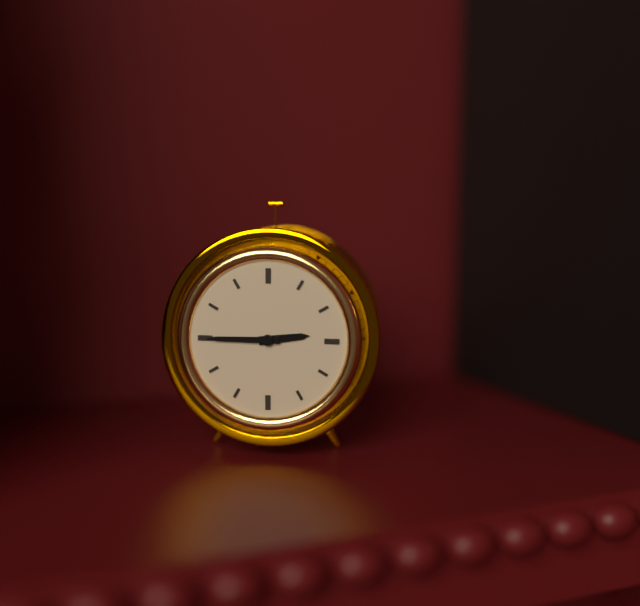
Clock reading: h=2 m=45
